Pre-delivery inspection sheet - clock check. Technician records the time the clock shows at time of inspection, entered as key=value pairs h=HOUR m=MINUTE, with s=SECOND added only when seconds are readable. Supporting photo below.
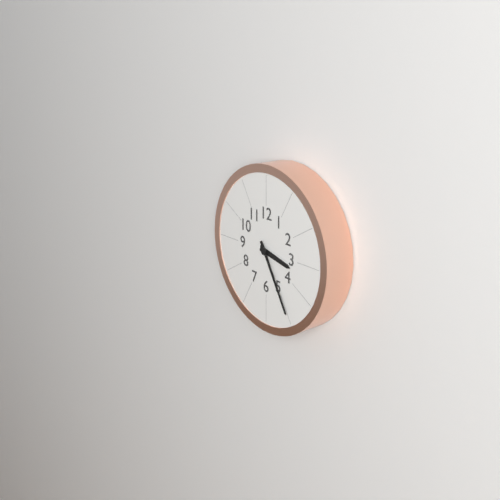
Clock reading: h=3 m=25
